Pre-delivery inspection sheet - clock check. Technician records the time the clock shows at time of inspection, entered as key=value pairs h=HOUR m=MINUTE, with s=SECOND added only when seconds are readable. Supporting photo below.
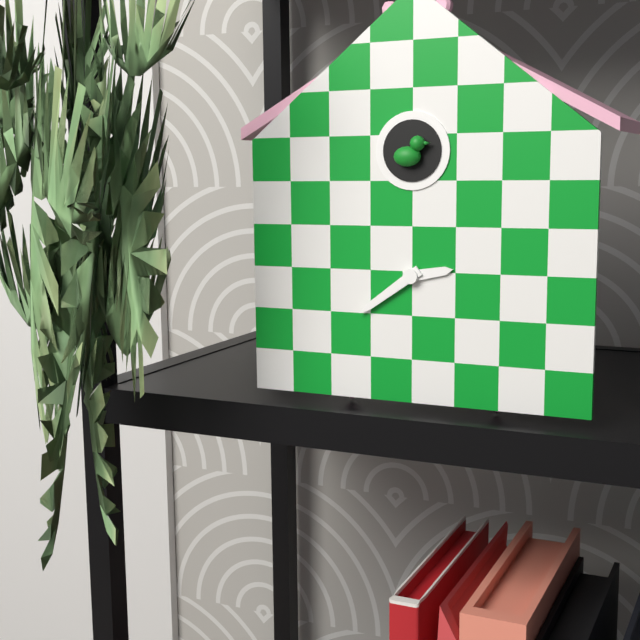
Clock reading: h=2 m=39
